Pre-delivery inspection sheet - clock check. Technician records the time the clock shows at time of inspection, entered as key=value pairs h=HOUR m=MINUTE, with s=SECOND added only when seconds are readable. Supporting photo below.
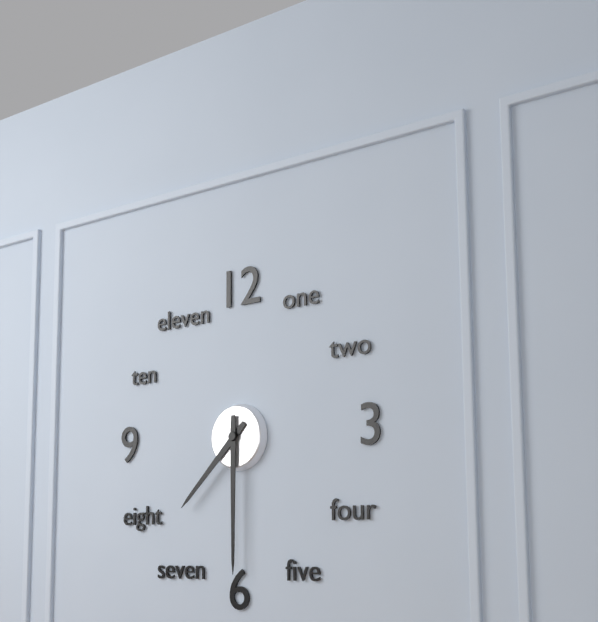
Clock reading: h=7 m=30
